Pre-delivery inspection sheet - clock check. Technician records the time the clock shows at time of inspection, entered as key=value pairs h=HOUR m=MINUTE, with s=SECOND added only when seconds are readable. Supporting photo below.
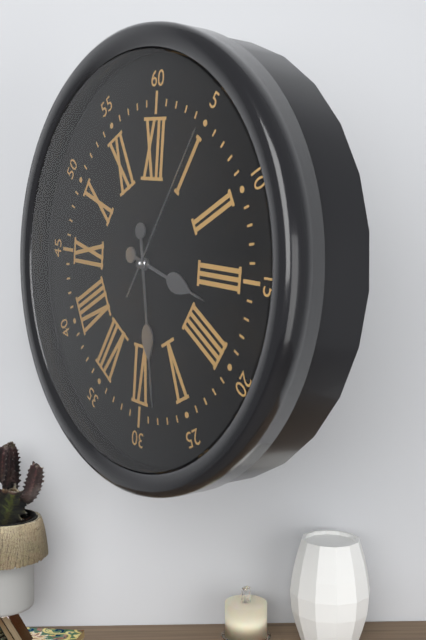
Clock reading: h=3 m=28 s=5
